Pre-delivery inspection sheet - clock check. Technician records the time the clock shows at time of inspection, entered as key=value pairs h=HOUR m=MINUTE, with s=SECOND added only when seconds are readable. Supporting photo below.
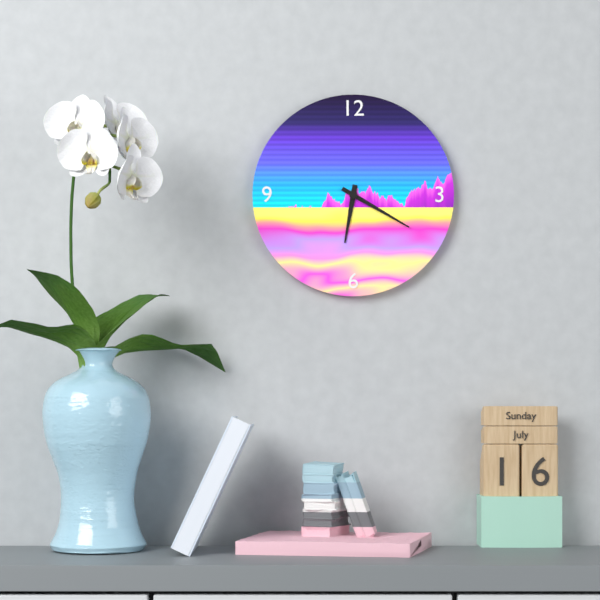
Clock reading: h=6 m=20
